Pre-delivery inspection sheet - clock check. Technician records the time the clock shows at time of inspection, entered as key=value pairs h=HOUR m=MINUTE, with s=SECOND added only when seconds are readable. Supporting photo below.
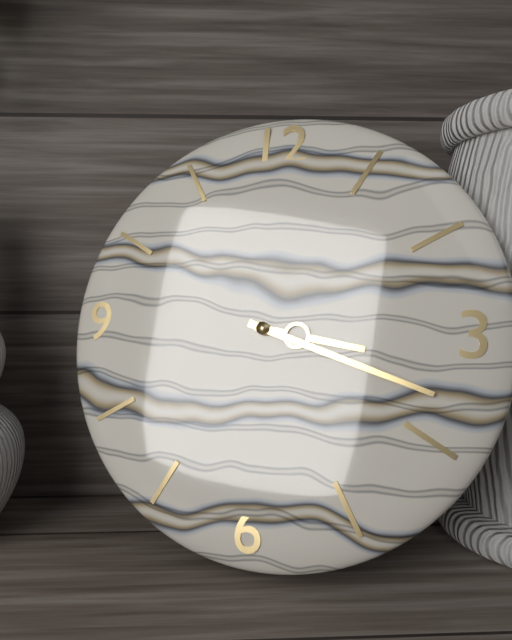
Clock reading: h=3 m=18
